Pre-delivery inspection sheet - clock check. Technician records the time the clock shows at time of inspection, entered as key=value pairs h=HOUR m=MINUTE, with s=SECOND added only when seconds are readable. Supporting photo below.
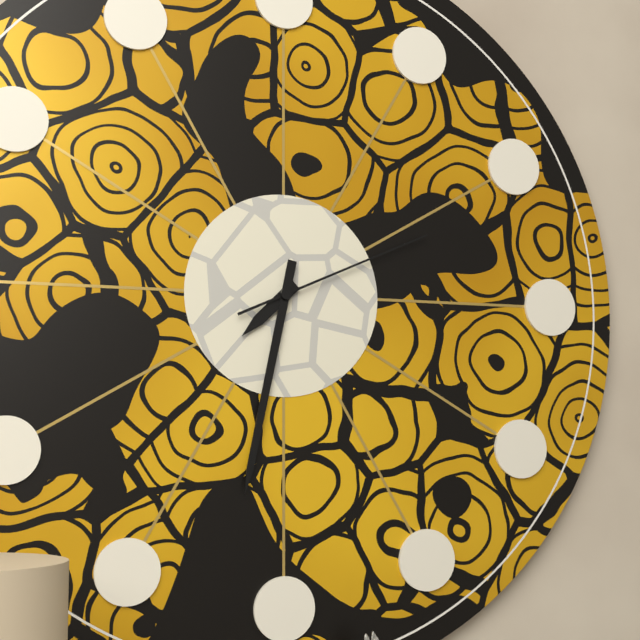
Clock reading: h=7 m=32 s=11
